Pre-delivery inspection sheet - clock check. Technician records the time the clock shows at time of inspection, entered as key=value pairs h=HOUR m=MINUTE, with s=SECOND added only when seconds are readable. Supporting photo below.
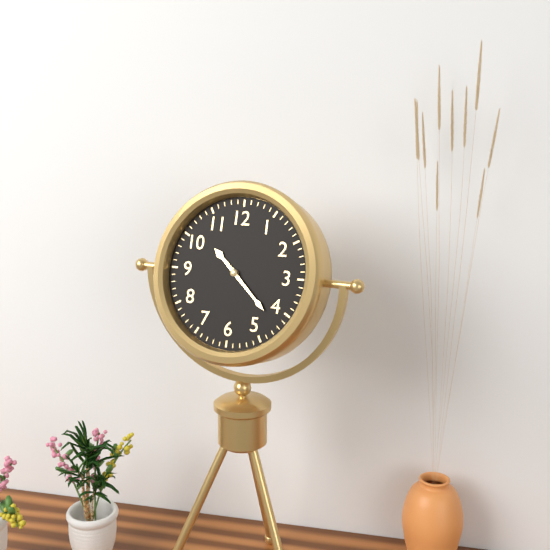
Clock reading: h=10 m=22
